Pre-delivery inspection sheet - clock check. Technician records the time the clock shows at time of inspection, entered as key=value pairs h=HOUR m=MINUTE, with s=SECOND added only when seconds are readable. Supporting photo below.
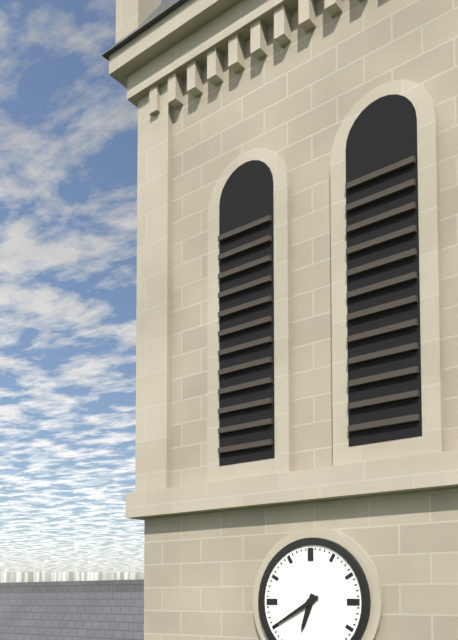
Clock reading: h=6 m=40
